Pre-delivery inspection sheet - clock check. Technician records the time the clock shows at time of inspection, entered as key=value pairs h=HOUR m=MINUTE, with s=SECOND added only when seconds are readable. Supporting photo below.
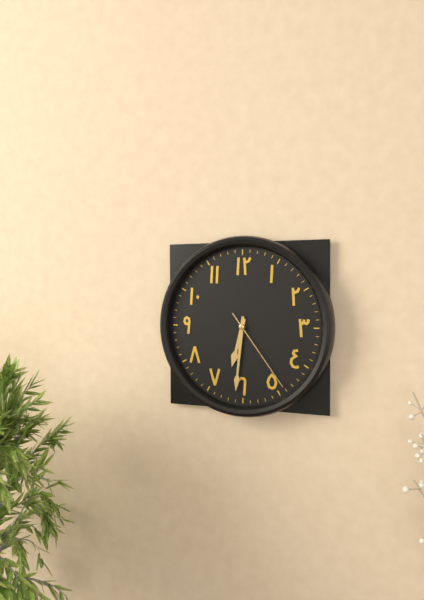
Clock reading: h=6 m=31 s=24
